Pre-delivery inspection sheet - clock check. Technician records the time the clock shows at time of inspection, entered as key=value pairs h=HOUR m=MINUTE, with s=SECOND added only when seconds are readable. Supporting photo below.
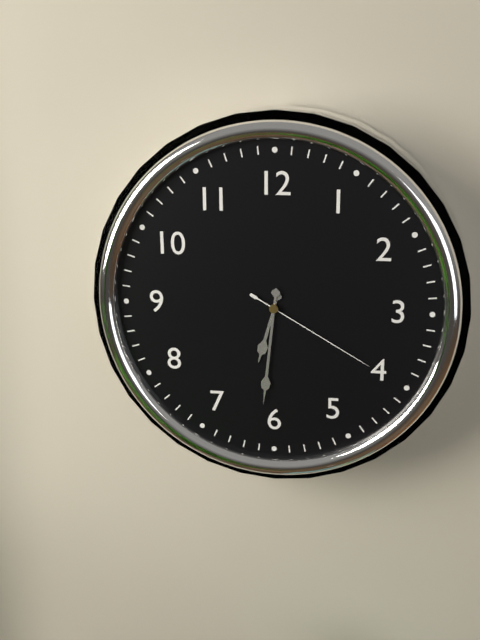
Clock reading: h=6 m=31 s=20
